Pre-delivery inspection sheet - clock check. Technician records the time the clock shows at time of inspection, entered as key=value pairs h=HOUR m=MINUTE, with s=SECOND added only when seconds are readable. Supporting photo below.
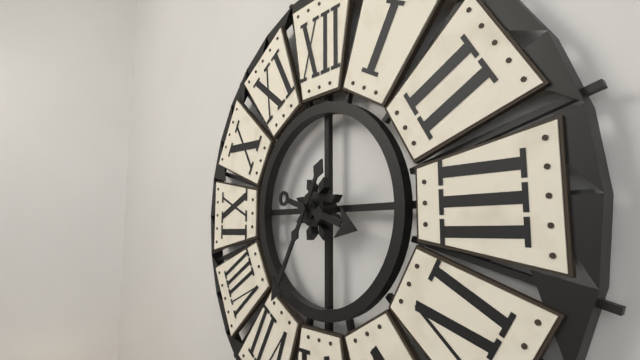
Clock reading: h=3 m=35
